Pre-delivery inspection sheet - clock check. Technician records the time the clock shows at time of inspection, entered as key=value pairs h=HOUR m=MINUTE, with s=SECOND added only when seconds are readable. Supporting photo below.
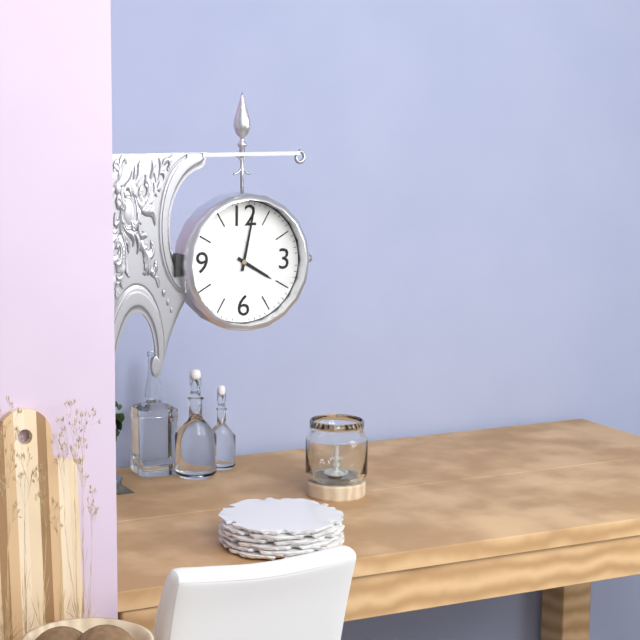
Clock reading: h=4 m=2
